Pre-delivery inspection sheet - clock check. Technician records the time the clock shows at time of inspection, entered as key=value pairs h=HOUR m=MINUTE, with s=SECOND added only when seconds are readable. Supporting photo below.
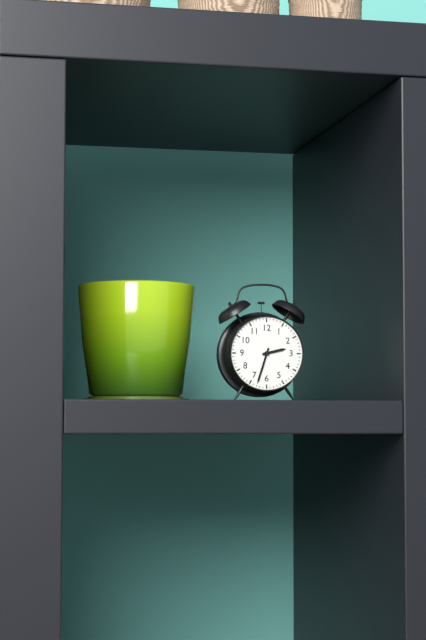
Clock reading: h=2 m=33
